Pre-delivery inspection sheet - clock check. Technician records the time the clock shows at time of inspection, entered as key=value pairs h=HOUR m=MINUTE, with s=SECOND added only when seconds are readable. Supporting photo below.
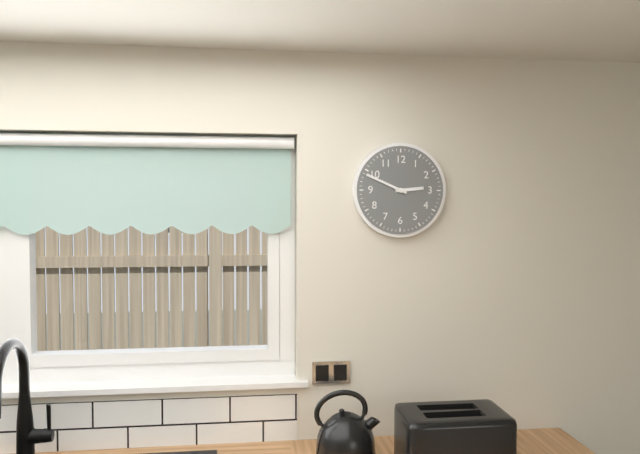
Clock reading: h=2 m=49
